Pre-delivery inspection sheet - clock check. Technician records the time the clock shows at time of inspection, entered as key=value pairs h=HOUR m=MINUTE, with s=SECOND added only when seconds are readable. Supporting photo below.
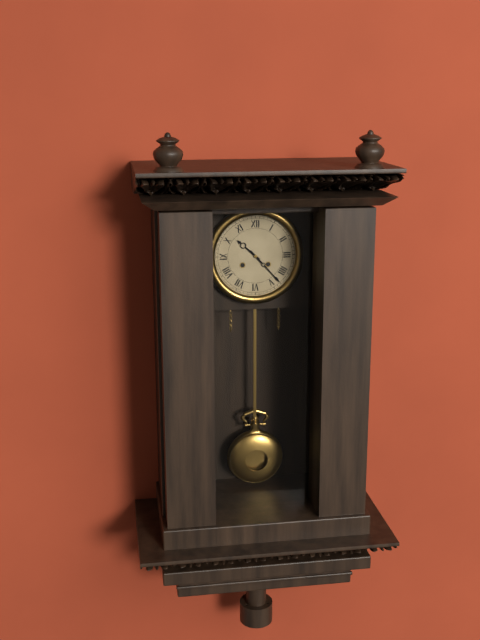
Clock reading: h=10 m=23
